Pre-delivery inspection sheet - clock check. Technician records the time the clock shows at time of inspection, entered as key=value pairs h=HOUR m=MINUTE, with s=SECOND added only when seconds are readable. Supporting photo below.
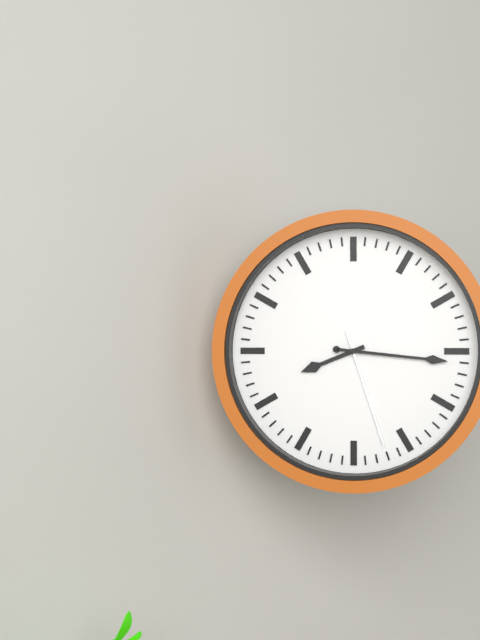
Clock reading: h=8 m=16 s=27
